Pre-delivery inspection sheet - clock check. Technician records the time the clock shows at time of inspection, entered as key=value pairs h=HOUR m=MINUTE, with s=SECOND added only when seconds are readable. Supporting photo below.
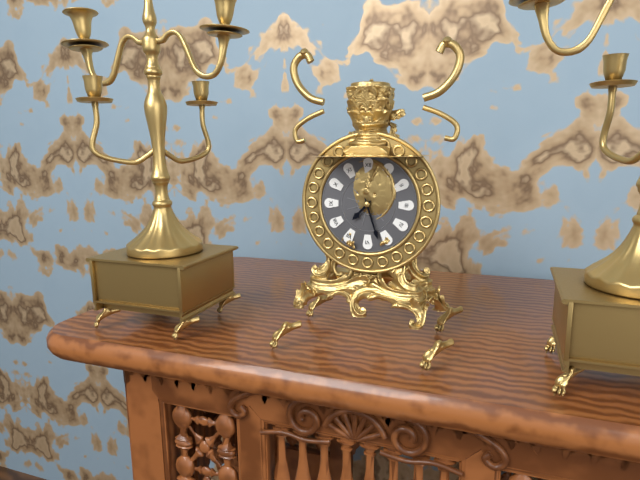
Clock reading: h=7 m=27
